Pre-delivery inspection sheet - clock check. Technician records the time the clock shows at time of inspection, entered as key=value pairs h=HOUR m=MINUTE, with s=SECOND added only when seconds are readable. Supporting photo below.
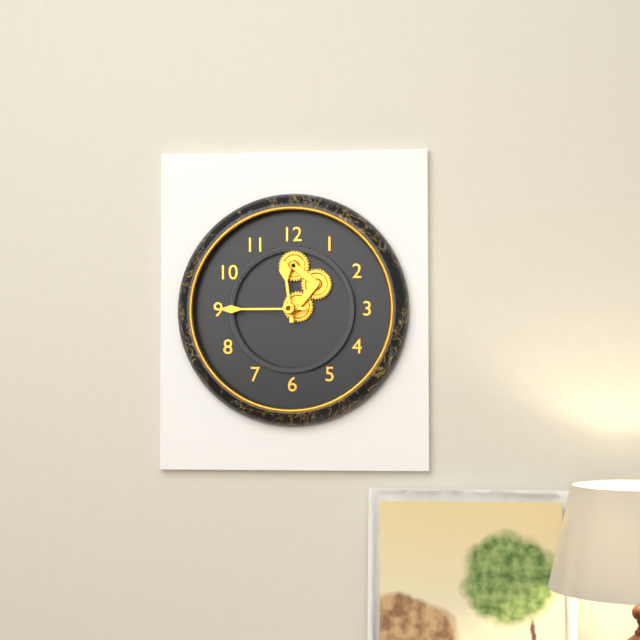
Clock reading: h=11 m=45
